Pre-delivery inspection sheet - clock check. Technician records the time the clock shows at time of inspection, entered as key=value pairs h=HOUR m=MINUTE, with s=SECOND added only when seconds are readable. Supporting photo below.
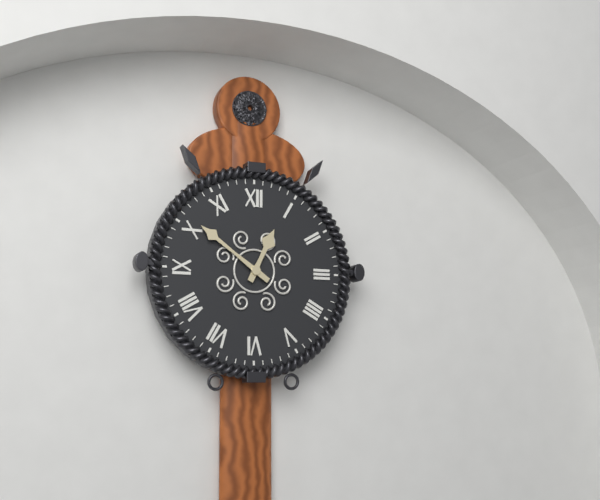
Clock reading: h=12 m=51
